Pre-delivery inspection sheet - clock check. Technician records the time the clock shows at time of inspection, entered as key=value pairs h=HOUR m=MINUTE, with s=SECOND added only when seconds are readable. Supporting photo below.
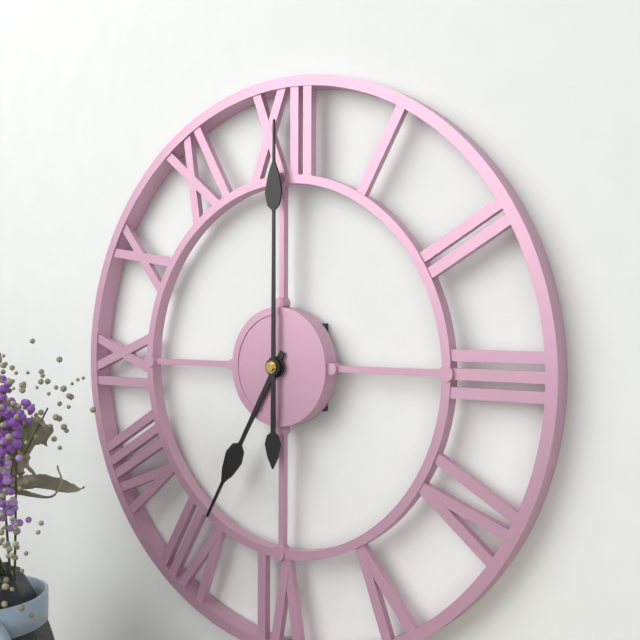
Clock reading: h=7 m=0
